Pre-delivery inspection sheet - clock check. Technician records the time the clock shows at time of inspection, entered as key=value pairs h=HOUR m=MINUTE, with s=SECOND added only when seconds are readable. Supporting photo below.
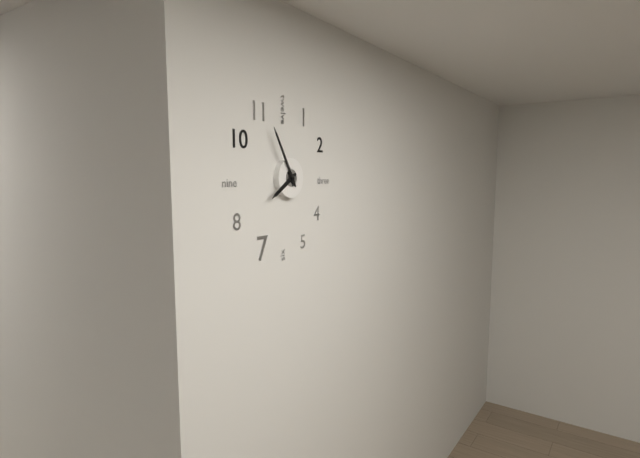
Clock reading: h=7 m=55
